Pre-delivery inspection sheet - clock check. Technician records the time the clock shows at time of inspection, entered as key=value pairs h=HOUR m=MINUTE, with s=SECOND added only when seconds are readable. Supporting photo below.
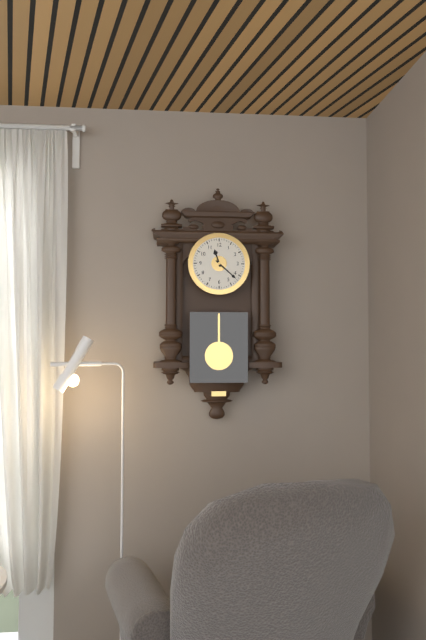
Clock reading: h=11 m=22
